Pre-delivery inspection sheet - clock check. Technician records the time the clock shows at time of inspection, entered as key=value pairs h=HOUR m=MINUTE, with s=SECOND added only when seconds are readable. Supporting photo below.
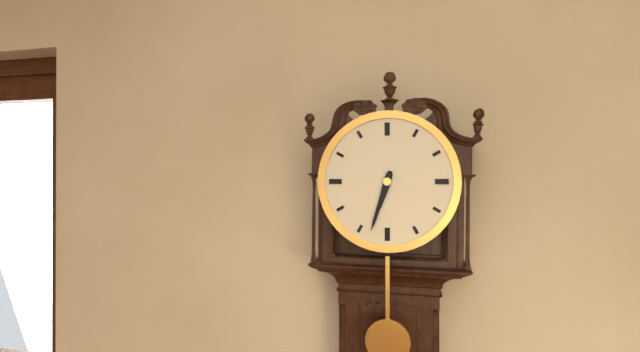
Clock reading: h=6 m=33
